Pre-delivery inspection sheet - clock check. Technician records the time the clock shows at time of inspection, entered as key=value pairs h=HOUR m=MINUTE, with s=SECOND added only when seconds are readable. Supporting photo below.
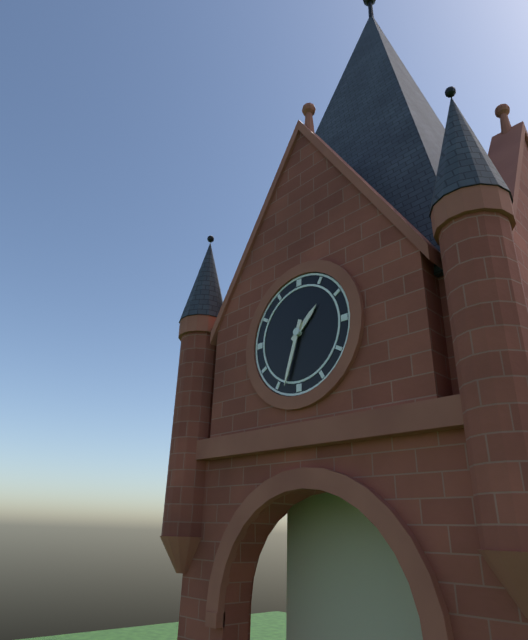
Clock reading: h=1 m=33
